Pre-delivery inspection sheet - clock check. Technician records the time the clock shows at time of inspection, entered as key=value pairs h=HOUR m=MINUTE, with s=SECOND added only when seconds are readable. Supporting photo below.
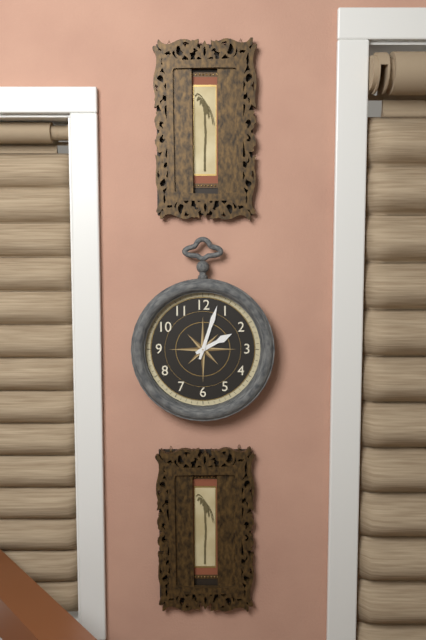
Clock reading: h=2 m=3
